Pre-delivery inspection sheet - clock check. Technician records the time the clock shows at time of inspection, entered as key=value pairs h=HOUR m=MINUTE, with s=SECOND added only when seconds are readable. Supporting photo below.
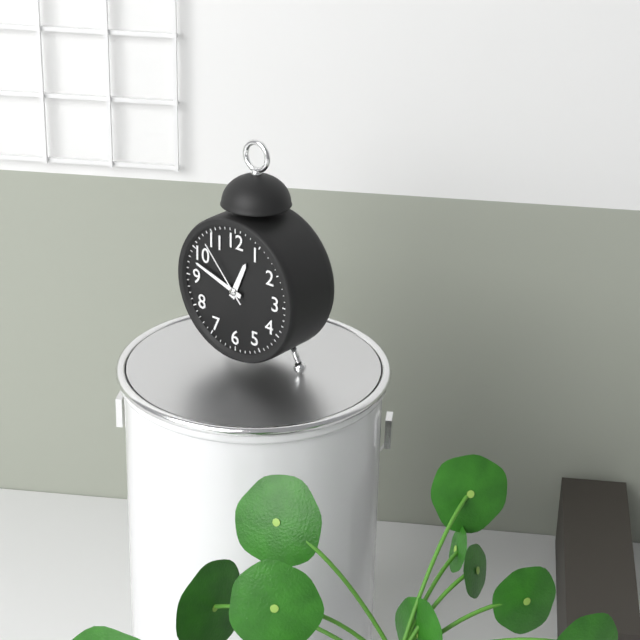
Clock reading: h=12 m=48 s=53
